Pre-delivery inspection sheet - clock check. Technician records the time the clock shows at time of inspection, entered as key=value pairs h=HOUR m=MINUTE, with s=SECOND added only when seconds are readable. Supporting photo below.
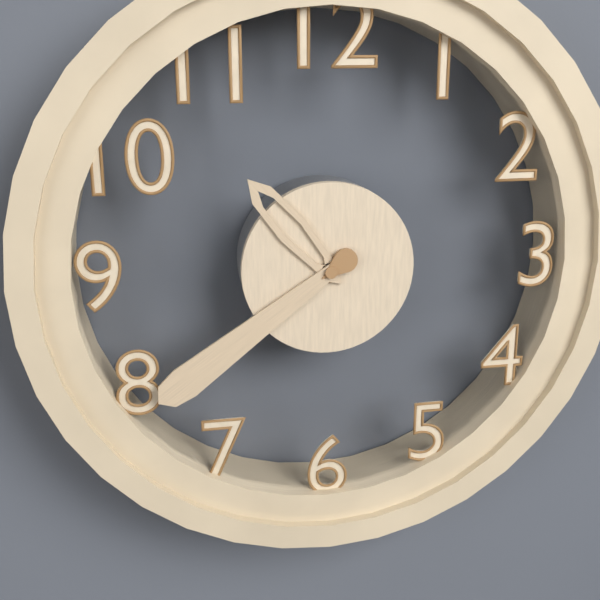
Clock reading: h=10 m=39
